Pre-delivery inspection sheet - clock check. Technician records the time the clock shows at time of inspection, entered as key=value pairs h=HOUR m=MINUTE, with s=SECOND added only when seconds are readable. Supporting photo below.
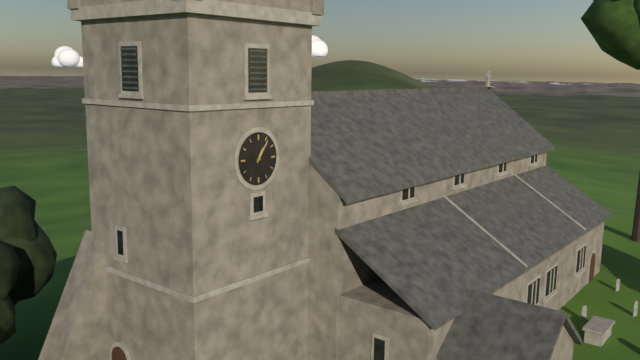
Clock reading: h=1 m=6
